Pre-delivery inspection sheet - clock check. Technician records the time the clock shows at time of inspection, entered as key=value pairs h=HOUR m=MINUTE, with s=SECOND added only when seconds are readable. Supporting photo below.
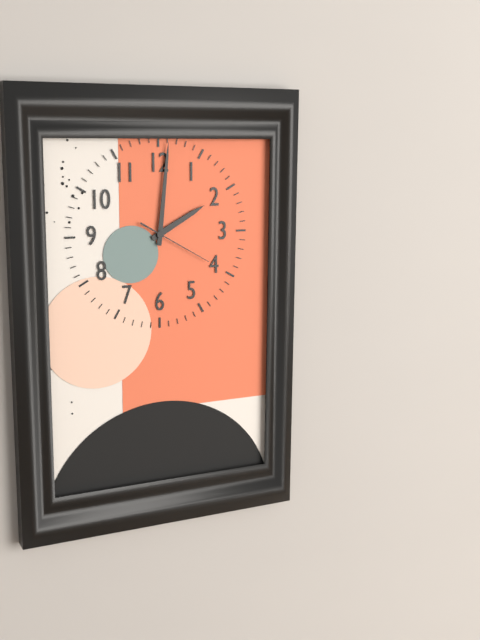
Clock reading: h=2 m=1 s=20
